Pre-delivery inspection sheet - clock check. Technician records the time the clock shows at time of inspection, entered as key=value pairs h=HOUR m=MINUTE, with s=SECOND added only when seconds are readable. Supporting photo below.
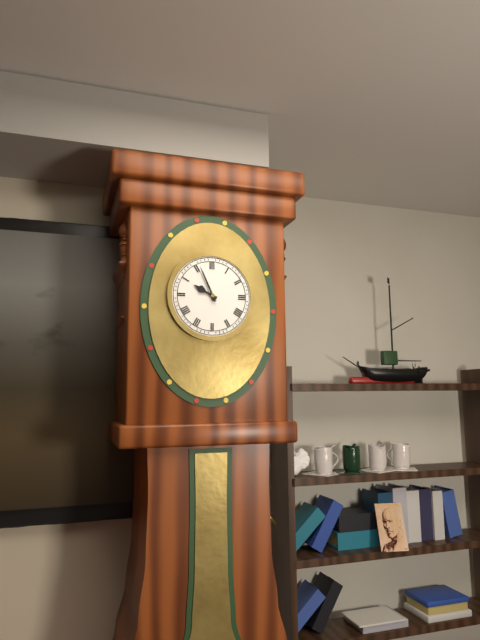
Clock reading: h=9 m=56
